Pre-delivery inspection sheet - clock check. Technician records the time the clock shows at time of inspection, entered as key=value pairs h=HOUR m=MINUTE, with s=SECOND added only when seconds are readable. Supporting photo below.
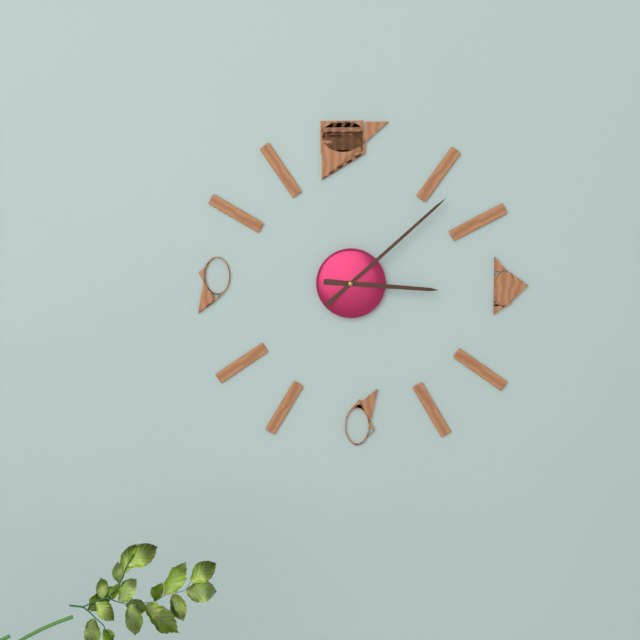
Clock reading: h=3 m=8
